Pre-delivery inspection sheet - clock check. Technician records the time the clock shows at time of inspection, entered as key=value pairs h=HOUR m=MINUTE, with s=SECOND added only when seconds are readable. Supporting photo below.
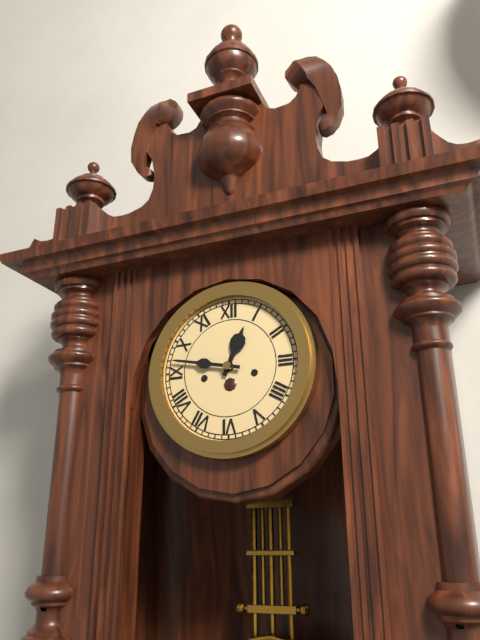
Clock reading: h=12 m=47
